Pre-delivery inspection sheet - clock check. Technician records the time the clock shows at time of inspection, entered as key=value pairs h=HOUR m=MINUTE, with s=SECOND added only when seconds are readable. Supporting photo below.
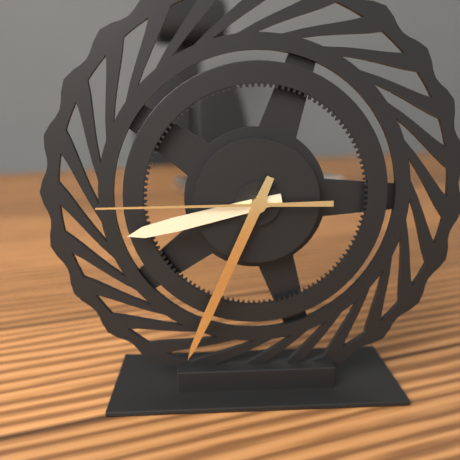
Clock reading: h=8 m=34 s=45
